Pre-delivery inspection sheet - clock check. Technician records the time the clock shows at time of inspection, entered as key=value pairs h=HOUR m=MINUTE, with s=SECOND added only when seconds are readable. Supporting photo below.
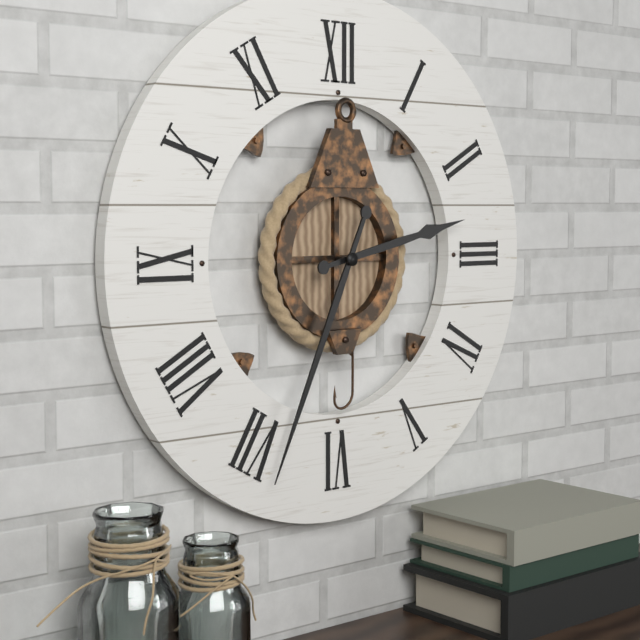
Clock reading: h=2 m=34
